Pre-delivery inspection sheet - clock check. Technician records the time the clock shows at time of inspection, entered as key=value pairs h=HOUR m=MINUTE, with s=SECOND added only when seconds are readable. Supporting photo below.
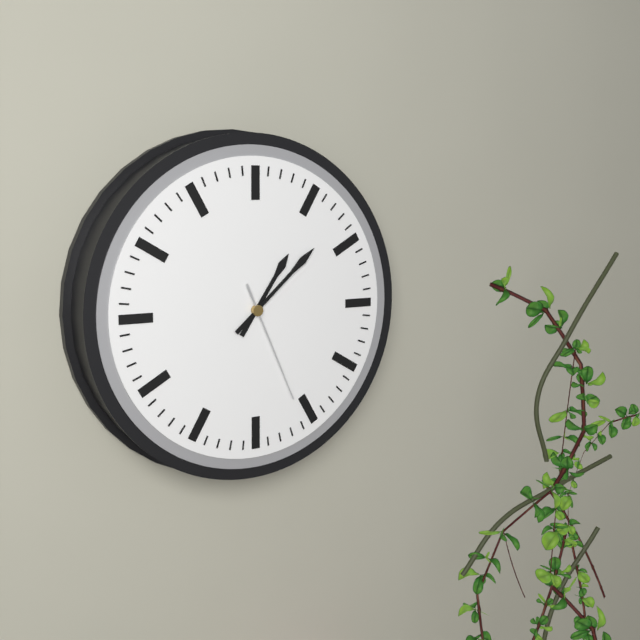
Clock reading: h=1 m=8 s=26
